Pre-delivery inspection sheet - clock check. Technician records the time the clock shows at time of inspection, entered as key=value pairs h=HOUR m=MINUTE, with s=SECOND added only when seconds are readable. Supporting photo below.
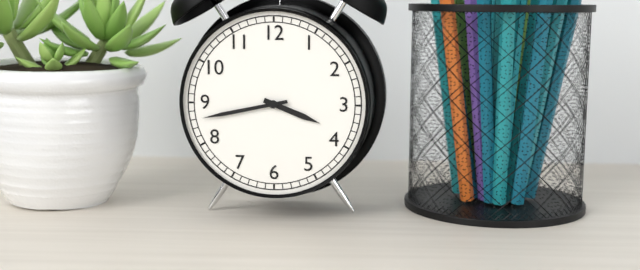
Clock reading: h=3 m=43
